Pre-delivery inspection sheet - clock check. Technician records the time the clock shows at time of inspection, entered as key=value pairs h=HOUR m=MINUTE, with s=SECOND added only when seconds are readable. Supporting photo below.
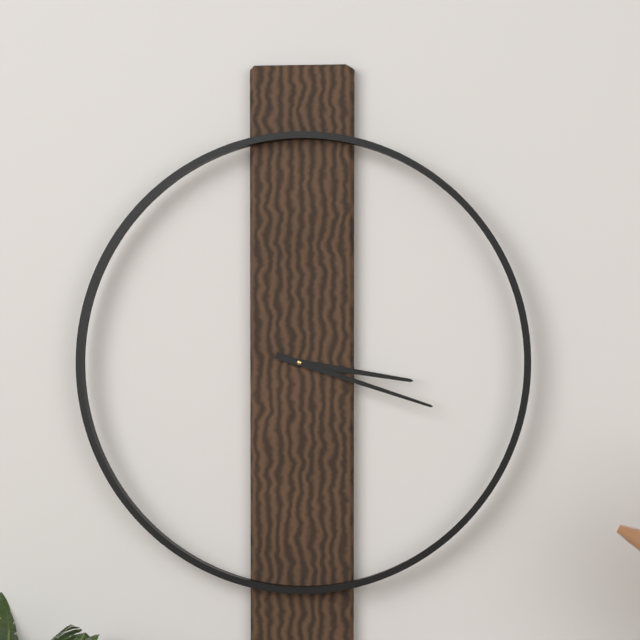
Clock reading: h=3 m=18
